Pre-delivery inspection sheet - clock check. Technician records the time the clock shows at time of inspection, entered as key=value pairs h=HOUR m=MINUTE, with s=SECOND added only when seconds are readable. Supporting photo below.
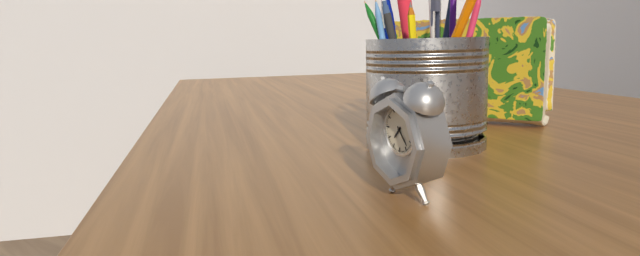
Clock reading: h=7 m=23
